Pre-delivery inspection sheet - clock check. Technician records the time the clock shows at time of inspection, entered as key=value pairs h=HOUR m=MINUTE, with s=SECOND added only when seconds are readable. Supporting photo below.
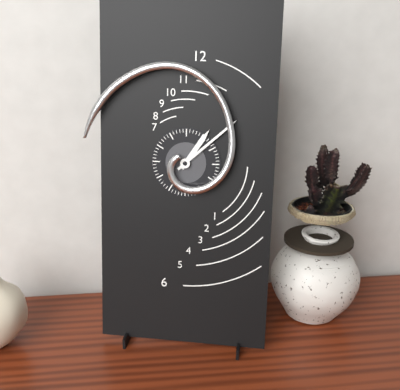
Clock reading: h=1 m=8
